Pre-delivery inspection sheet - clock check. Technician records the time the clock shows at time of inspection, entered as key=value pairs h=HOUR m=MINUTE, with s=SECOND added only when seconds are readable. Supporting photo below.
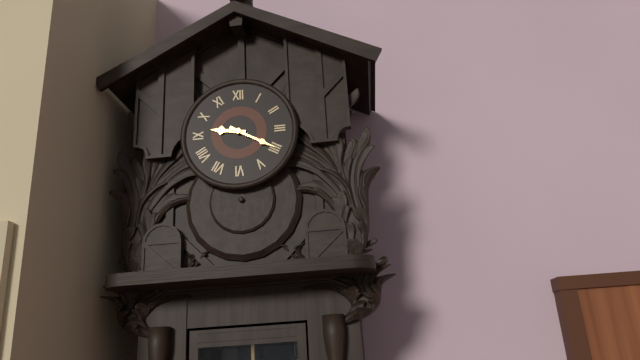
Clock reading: h=9 m=20
